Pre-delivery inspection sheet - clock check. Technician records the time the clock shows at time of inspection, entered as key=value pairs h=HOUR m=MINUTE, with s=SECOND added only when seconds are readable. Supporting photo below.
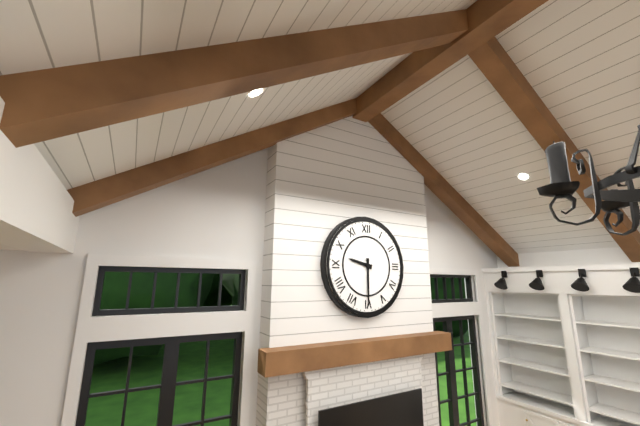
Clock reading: h=9 m=30
